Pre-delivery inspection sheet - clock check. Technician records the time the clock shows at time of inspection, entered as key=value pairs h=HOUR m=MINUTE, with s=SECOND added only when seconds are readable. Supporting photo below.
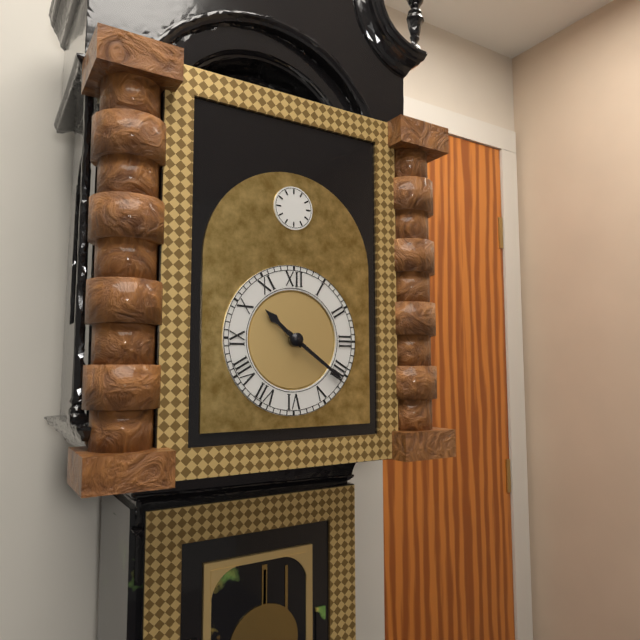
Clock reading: h=10 m=21
